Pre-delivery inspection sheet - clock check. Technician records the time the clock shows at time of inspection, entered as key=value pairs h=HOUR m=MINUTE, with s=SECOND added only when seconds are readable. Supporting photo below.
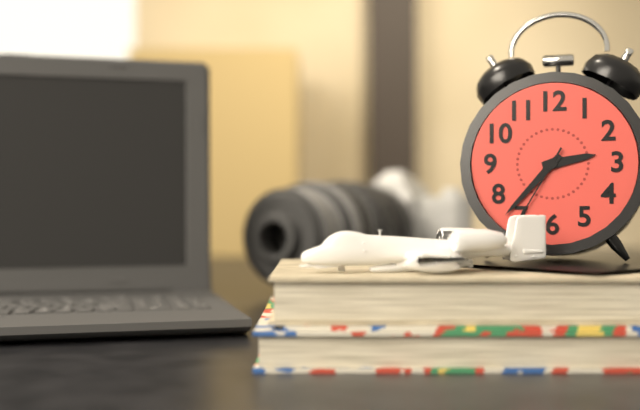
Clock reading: h=2 m=37 s=35
